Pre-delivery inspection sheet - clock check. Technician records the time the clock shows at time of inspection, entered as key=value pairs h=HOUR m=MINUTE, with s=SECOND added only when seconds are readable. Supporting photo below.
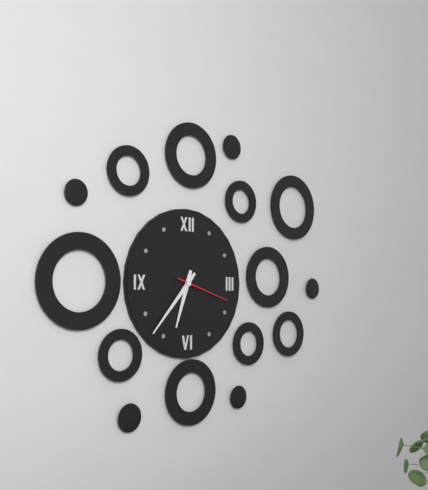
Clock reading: h=6 m=37 s=18
